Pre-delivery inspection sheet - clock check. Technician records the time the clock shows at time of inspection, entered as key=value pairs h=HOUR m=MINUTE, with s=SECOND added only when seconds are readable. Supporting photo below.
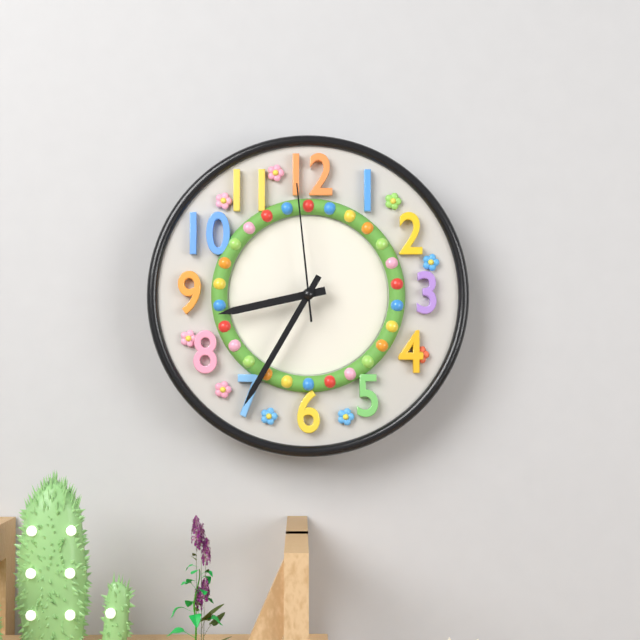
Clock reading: h=8 m=35 s=59
